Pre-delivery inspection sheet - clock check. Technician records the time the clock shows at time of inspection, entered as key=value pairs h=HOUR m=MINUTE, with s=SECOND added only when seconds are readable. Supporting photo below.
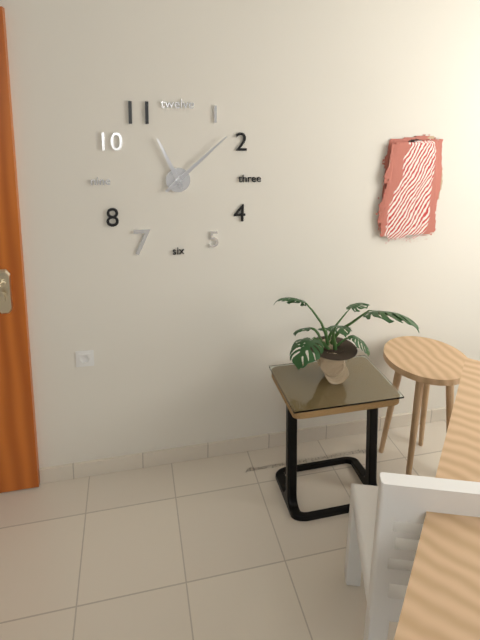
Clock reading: h=11 m=8
